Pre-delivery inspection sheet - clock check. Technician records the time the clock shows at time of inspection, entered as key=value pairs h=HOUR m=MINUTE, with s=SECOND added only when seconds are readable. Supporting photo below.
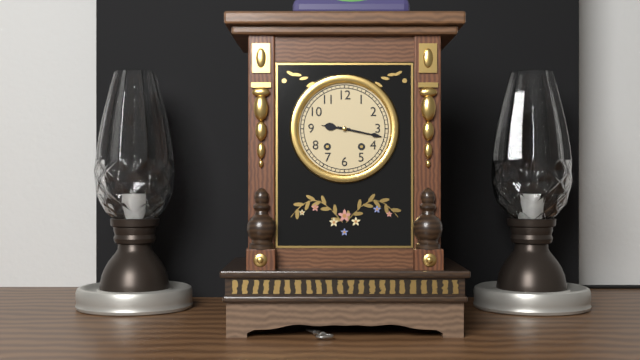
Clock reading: h=9 m=17
